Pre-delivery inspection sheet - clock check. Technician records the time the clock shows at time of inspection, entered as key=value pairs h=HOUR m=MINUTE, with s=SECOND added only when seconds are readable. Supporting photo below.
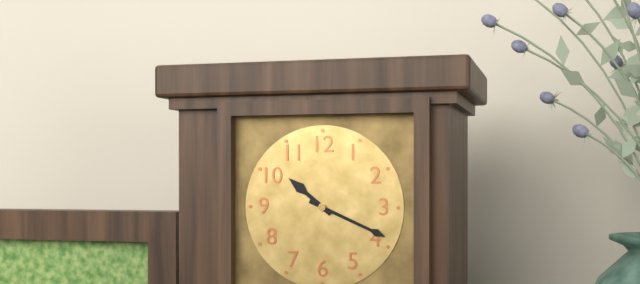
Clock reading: h=10 m=19
